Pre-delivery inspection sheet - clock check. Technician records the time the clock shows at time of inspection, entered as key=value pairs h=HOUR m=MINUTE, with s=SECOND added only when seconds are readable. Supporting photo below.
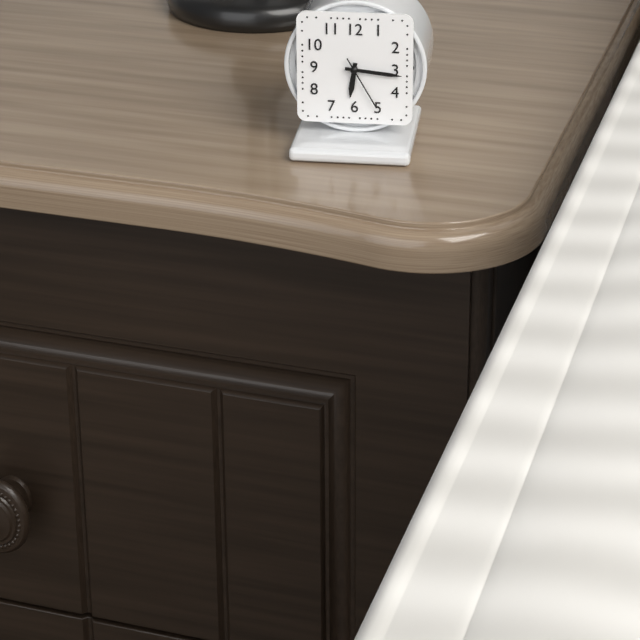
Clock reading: h=6 m=16 s=25
